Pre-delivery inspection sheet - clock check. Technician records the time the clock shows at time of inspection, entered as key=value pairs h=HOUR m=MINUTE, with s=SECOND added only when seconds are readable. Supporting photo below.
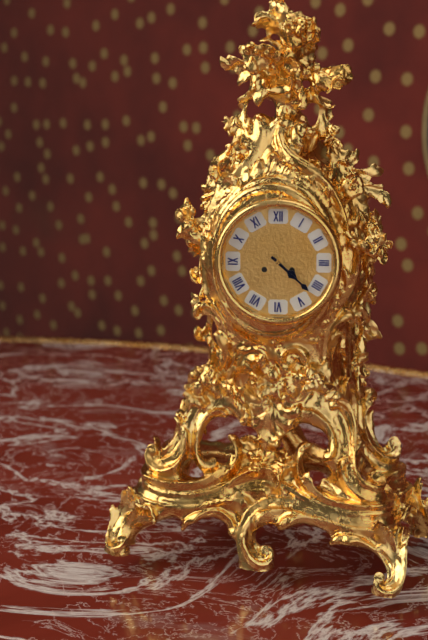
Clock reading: h=4 m=22
